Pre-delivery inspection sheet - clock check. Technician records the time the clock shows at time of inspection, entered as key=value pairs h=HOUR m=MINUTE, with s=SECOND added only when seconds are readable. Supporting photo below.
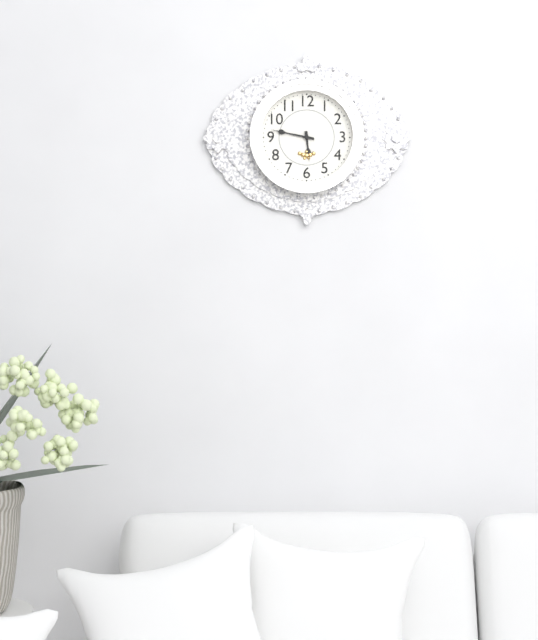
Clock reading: h=5 m=47
